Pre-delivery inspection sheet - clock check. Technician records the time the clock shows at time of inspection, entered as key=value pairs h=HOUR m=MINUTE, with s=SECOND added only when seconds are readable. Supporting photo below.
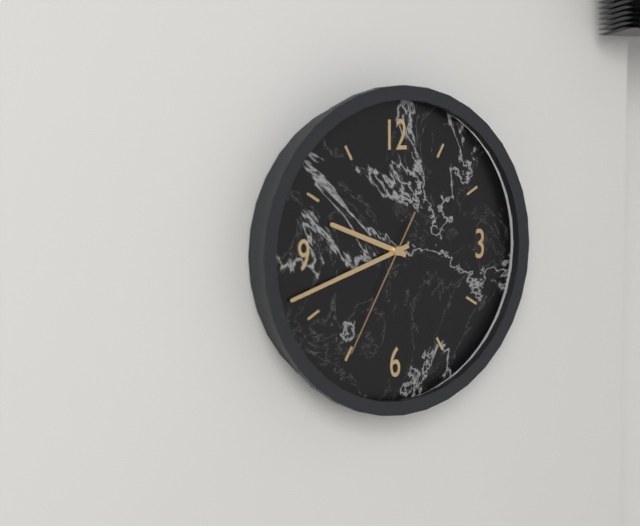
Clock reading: h=9 m=42 s=35
